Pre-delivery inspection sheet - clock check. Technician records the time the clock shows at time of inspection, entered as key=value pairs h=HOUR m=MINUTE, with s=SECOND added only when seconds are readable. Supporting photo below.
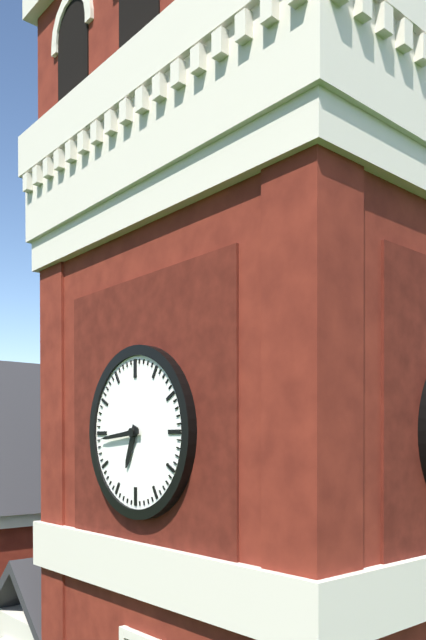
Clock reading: h=6 m=44
